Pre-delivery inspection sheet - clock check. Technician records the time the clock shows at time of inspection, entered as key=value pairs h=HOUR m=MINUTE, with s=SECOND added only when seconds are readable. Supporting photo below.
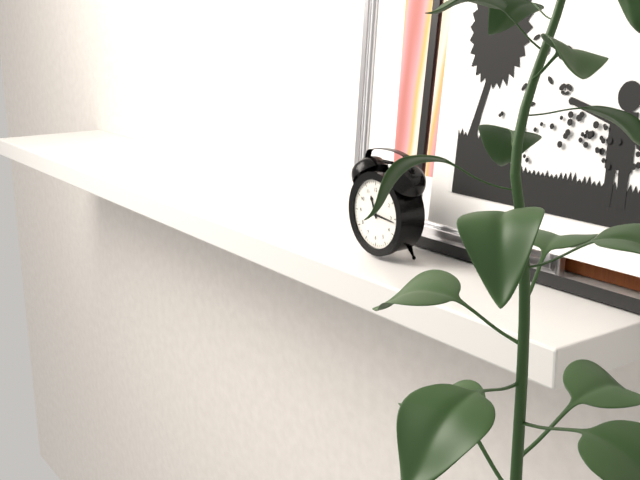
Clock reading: h=11 m=16
